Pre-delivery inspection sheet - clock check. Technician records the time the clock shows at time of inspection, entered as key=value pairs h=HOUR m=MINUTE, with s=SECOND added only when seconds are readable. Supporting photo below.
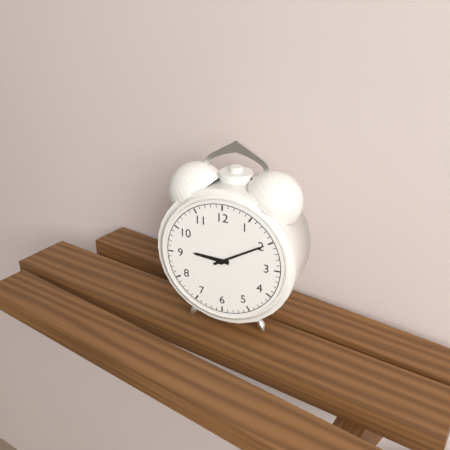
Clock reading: h=9 m=10
